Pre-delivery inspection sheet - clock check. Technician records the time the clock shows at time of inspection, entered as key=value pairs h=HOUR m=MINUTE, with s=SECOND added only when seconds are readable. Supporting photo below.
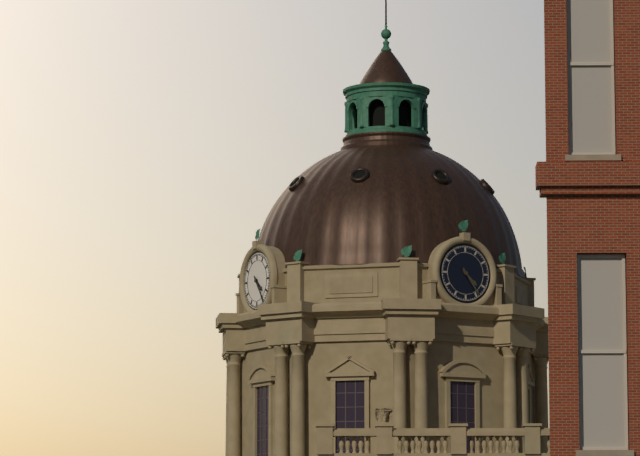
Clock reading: h=4 m=24
